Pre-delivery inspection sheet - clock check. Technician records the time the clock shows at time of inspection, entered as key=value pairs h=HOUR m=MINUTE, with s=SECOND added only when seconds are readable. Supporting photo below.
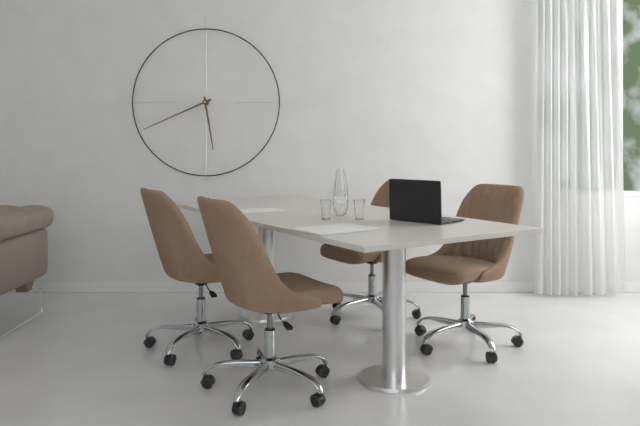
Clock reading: h=5 m=41
